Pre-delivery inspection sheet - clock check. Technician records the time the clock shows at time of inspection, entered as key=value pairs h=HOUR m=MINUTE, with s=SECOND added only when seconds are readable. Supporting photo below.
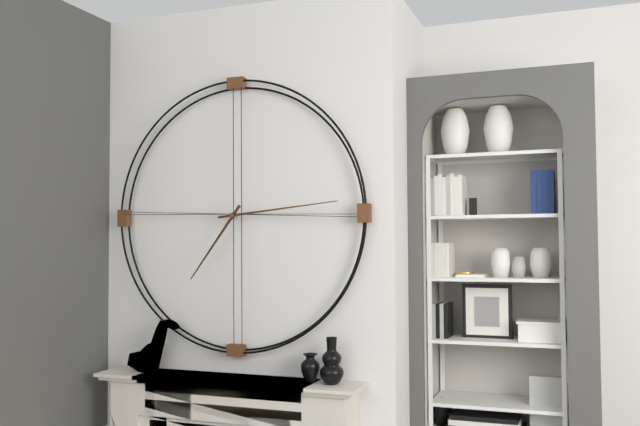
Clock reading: h=7 m=14
